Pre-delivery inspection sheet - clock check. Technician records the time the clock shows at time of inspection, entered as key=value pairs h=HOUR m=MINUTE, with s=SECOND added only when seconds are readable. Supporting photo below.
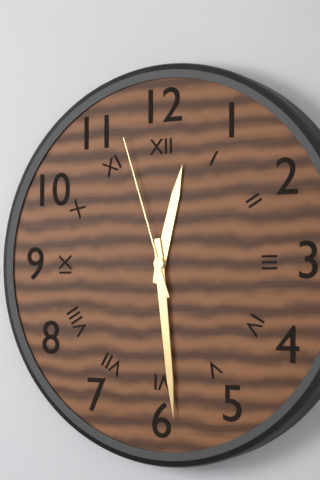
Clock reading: h=12 m=29 s=57
